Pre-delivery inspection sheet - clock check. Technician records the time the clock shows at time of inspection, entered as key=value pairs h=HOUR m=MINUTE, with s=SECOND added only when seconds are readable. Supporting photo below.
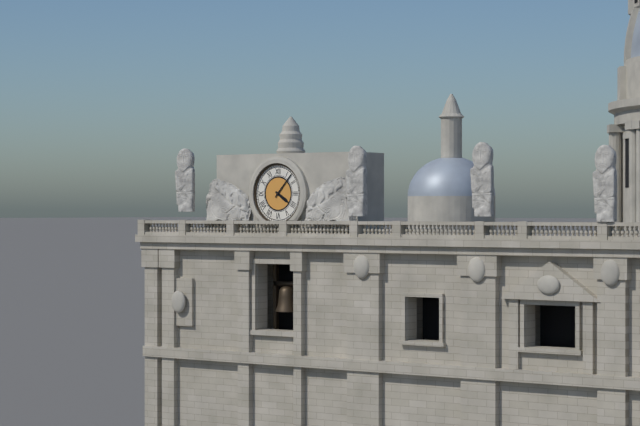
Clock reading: h=4 m=7
